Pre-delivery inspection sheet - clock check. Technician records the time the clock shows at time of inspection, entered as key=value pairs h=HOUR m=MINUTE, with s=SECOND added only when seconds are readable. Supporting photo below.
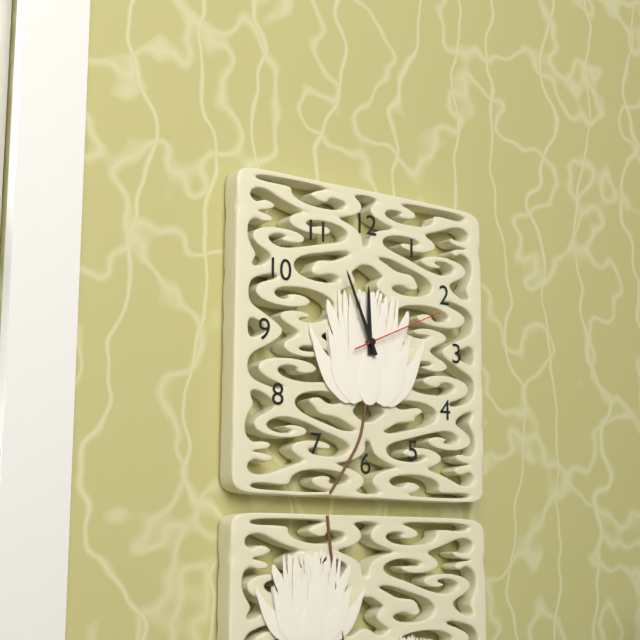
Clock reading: h=11 m=56 s=11
